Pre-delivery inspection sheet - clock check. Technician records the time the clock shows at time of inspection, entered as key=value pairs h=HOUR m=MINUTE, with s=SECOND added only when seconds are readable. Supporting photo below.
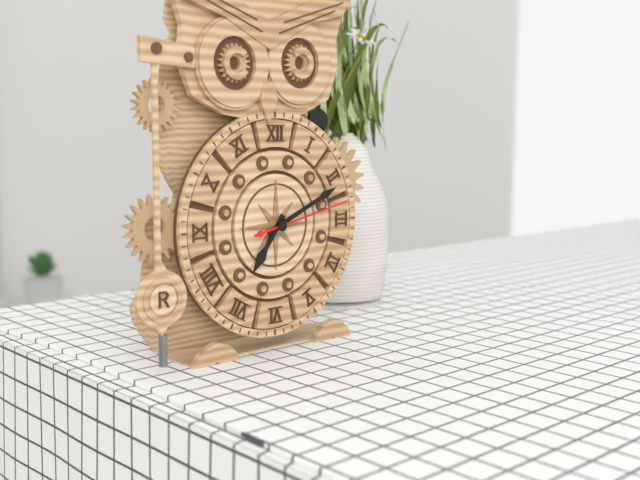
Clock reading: h=7 m=11 s=13
